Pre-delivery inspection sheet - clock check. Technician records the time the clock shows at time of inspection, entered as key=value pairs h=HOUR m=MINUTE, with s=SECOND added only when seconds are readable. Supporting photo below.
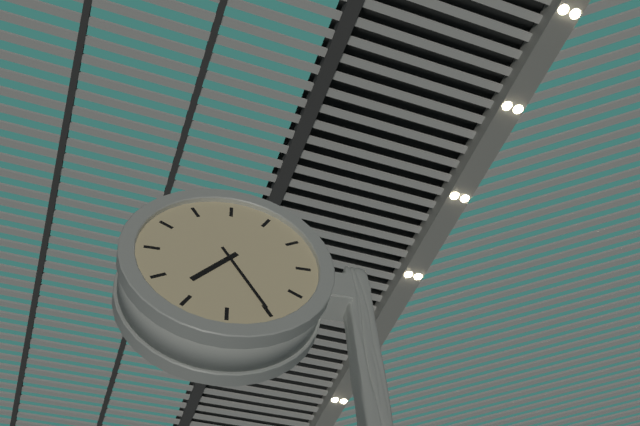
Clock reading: h=7 m=25
